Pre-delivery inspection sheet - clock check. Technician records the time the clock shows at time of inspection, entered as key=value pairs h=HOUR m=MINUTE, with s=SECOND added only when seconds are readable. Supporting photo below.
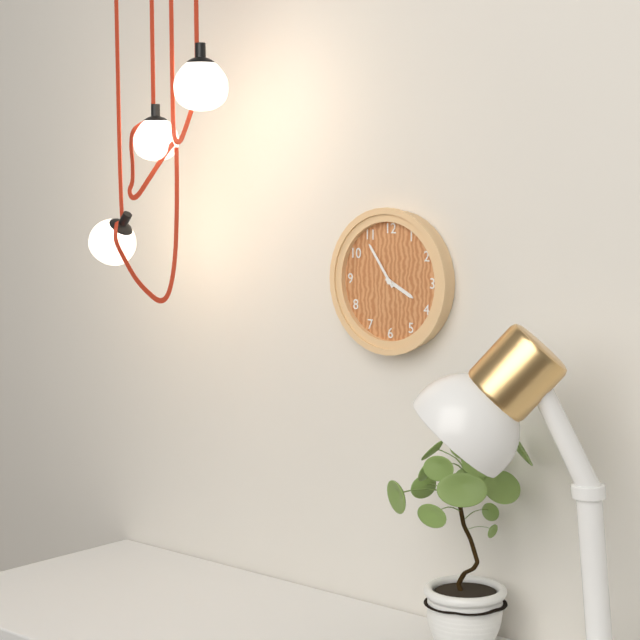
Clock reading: h=3 m=54
